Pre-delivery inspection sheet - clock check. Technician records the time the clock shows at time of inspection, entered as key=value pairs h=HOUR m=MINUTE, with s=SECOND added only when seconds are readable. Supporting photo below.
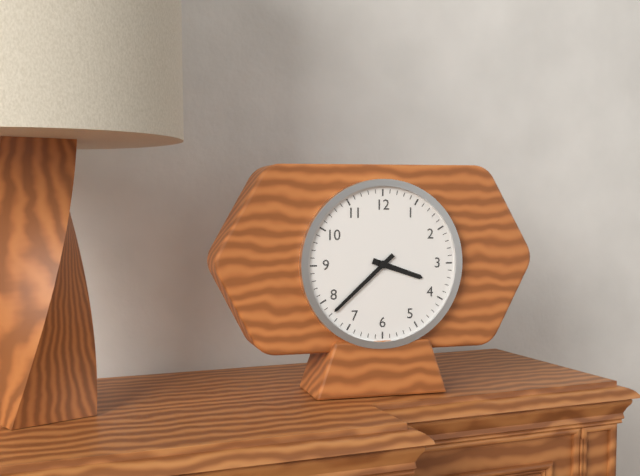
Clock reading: h=3 m=38
